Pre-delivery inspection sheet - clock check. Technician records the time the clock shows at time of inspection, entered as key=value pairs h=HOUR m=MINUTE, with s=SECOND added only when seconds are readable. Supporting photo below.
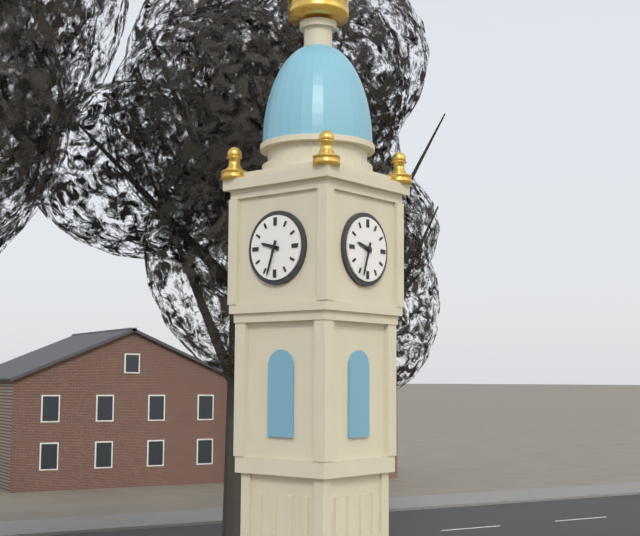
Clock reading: h=9 m=33
